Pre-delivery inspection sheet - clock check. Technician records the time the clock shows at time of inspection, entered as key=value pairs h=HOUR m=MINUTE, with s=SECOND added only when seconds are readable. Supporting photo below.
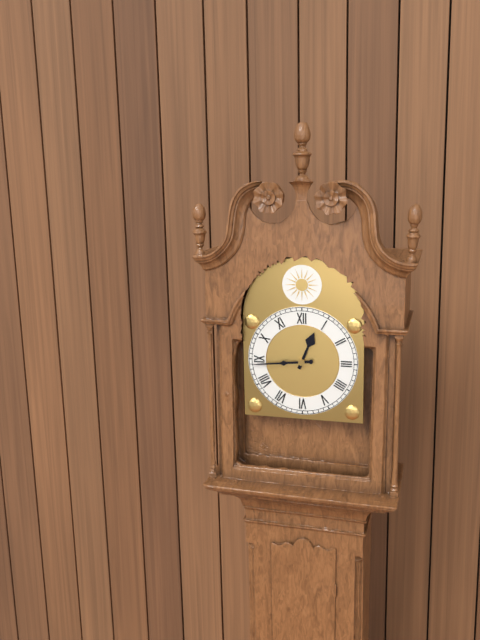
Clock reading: h=12 m=44
